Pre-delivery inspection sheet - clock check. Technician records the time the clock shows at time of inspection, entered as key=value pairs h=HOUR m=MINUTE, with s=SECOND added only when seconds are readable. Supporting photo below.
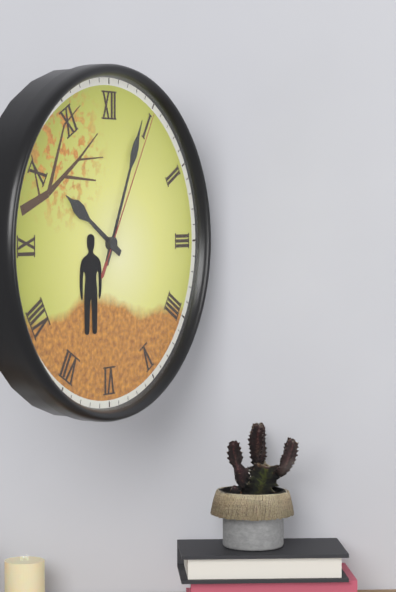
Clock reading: h=10 m=4 s=5
